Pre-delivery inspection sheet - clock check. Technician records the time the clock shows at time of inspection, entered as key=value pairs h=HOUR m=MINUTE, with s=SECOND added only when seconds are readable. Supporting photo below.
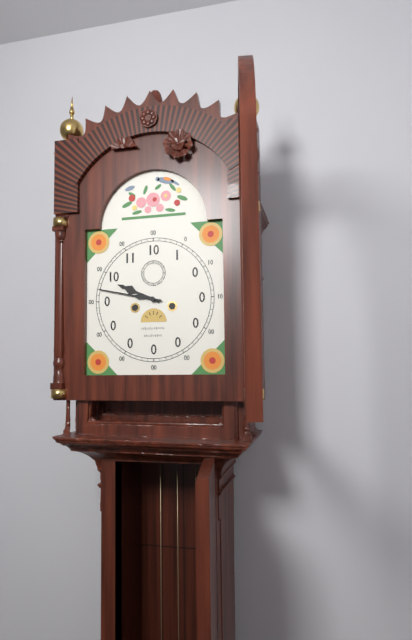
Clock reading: h=9 m=47
